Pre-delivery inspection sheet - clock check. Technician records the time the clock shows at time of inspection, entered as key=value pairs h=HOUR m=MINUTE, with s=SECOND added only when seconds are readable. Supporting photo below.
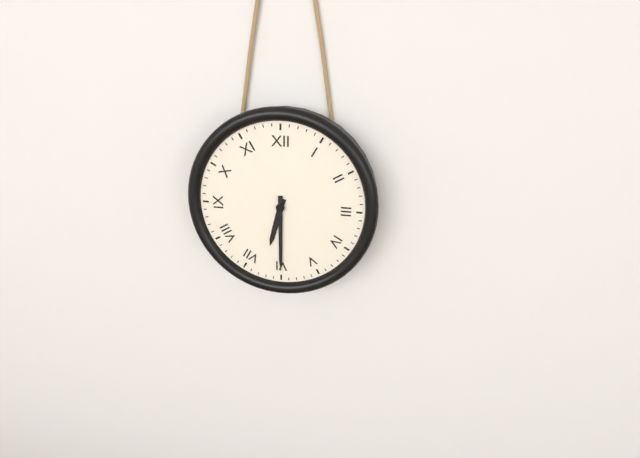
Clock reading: h=6 m=30
